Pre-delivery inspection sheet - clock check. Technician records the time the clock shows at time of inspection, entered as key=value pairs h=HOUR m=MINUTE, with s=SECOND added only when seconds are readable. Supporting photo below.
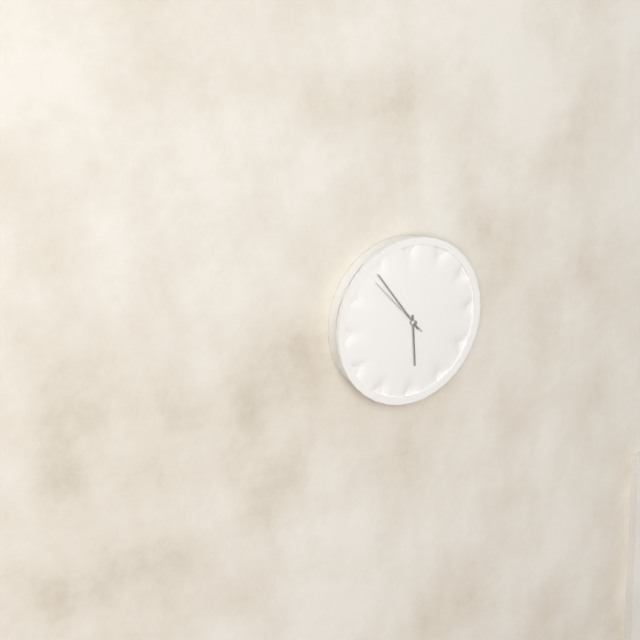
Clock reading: h=5 m=54 s=53
